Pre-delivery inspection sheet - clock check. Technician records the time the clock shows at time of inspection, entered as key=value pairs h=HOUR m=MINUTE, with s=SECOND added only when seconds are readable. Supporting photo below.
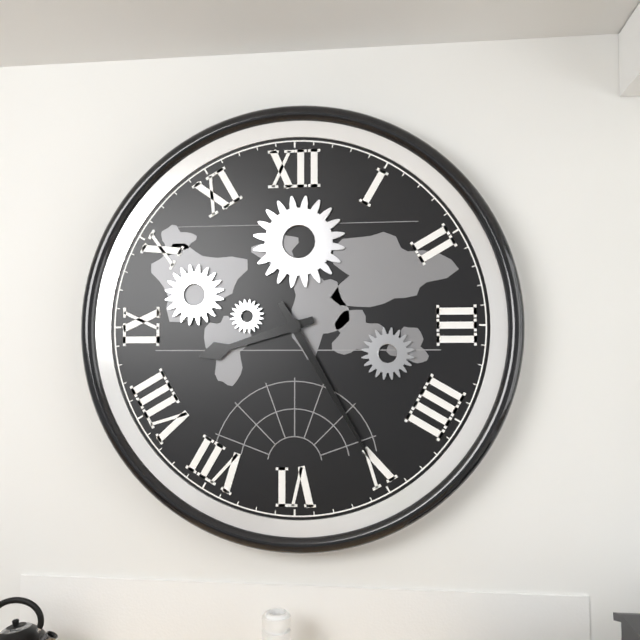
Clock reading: h=8 m=25
